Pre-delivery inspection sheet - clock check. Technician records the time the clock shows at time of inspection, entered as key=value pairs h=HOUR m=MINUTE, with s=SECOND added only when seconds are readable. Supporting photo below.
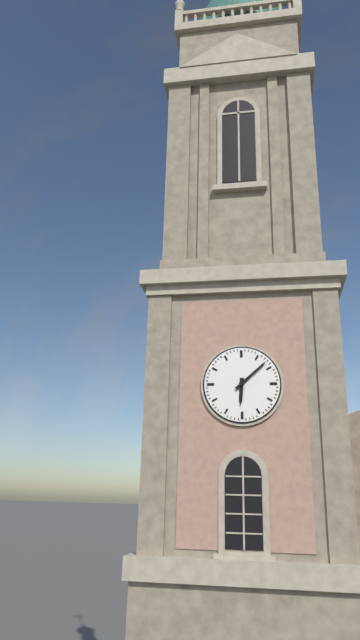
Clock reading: h=6 m=8
